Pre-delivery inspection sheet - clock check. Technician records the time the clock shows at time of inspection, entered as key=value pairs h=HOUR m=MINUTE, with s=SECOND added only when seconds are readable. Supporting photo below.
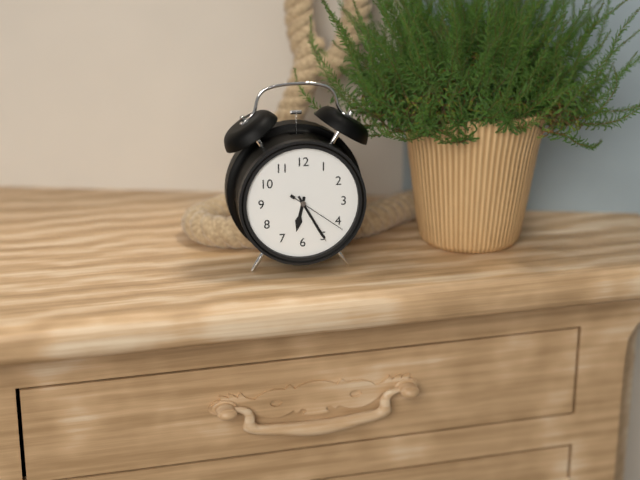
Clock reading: h=6 m=25 s=21
